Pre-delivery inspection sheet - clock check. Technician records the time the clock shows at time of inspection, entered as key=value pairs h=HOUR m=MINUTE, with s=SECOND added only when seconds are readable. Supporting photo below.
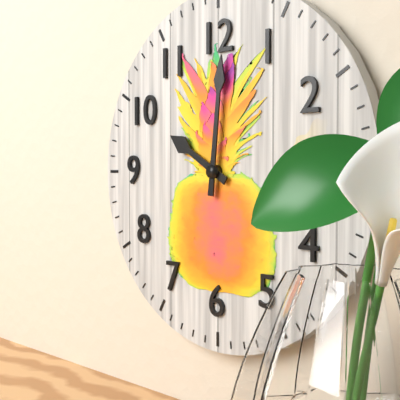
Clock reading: h=10 m=1
